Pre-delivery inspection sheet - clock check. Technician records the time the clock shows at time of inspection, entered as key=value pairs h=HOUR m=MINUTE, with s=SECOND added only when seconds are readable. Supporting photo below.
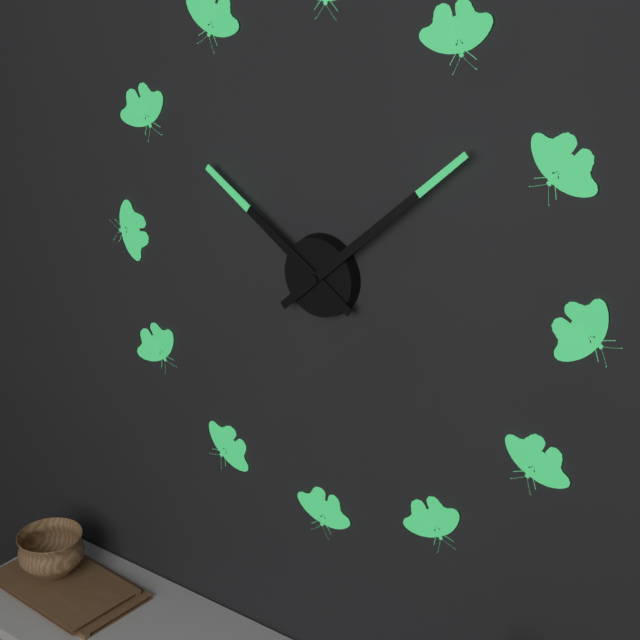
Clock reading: h=10 m=8
